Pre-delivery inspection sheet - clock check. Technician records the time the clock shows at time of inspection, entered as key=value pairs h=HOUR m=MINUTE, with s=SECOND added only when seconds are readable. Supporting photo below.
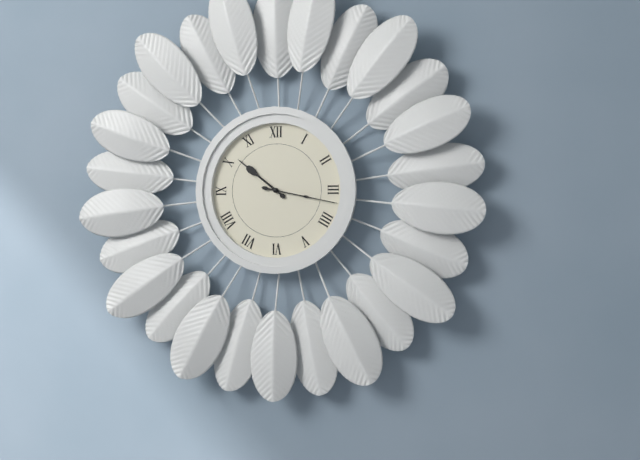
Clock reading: h=10 m=17
